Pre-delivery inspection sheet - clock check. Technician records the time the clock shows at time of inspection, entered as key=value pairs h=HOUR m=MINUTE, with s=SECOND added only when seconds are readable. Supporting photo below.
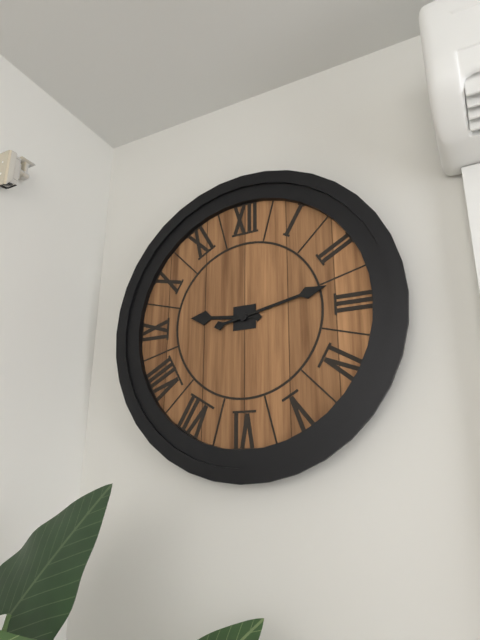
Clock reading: h=9 m=13
